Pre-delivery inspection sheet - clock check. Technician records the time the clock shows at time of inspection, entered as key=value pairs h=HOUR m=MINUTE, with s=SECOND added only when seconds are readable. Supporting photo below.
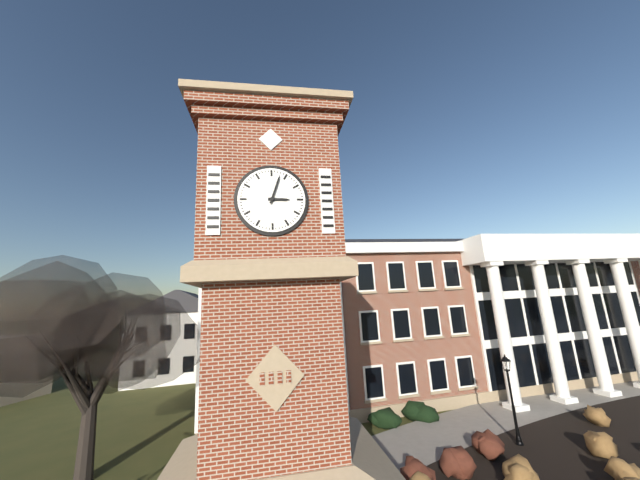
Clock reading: h=3 m=3
